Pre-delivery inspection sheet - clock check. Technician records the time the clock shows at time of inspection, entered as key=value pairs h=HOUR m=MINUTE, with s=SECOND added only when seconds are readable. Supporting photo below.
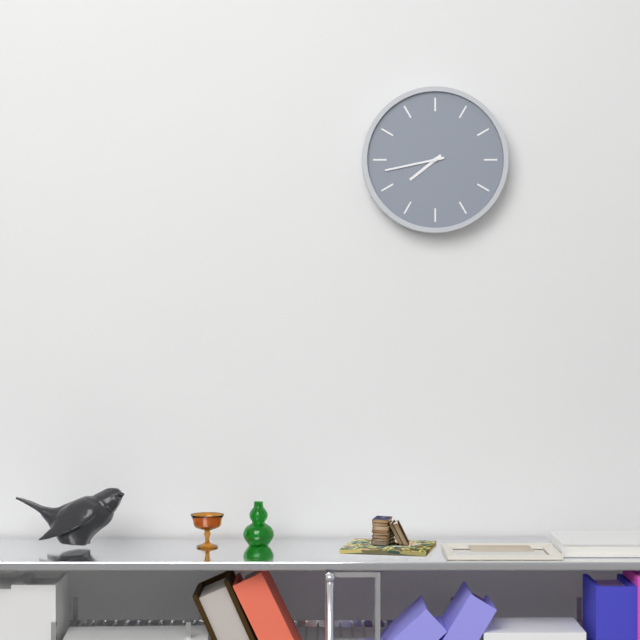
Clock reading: h=7 m=43
